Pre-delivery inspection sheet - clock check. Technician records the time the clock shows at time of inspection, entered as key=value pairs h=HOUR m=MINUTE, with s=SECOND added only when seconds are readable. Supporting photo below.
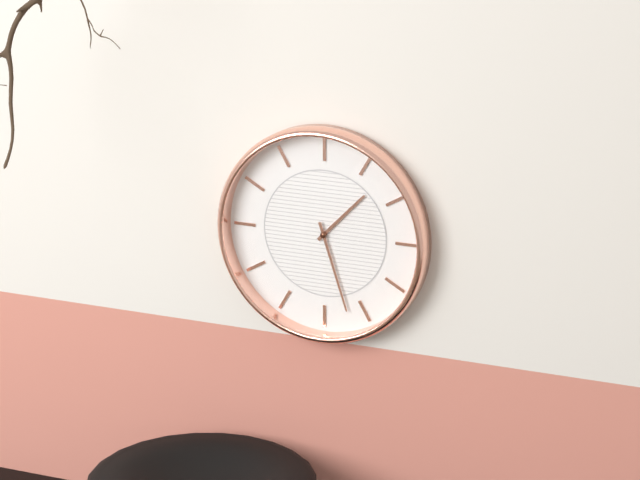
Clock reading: h=1 m=27
